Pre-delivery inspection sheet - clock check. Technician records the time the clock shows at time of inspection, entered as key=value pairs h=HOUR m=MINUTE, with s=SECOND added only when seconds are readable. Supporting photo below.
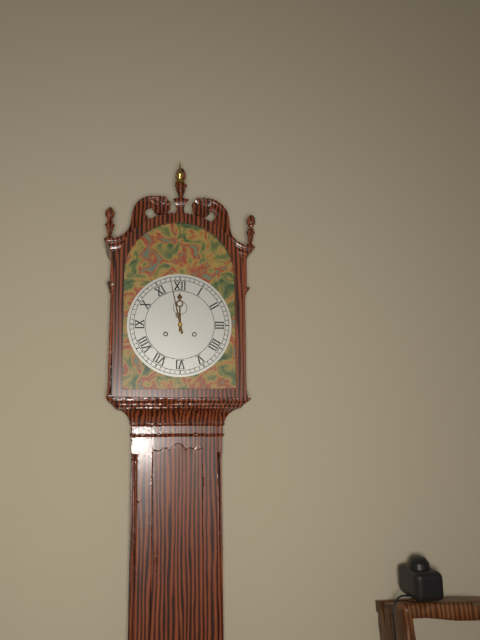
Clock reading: h=11 m=58
